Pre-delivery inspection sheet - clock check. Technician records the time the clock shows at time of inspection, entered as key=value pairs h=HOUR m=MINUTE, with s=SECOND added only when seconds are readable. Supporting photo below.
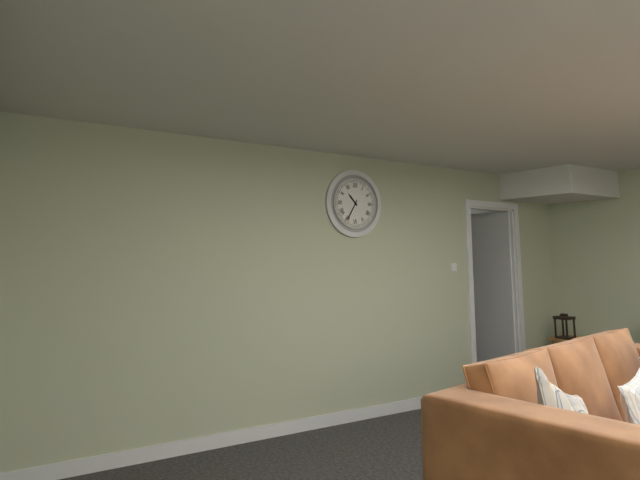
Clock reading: h=10 m=35
